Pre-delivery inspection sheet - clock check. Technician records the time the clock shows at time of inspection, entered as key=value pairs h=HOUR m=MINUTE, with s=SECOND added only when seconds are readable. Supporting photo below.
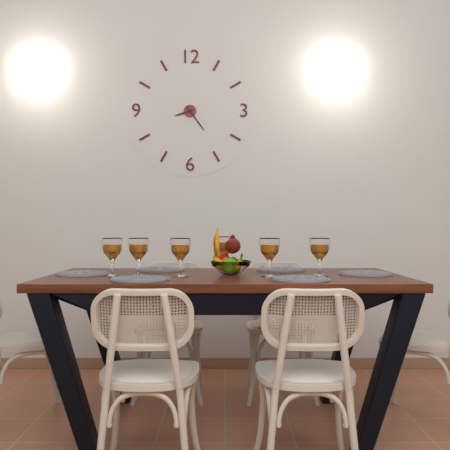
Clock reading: h=8 m=24
